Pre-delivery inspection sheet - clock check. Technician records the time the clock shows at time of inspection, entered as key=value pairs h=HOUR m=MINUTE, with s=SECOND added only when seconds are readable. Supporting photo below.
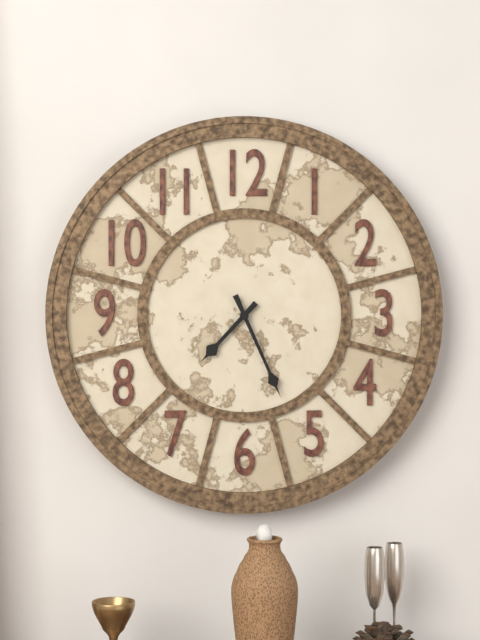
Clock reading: h=7 m=26
